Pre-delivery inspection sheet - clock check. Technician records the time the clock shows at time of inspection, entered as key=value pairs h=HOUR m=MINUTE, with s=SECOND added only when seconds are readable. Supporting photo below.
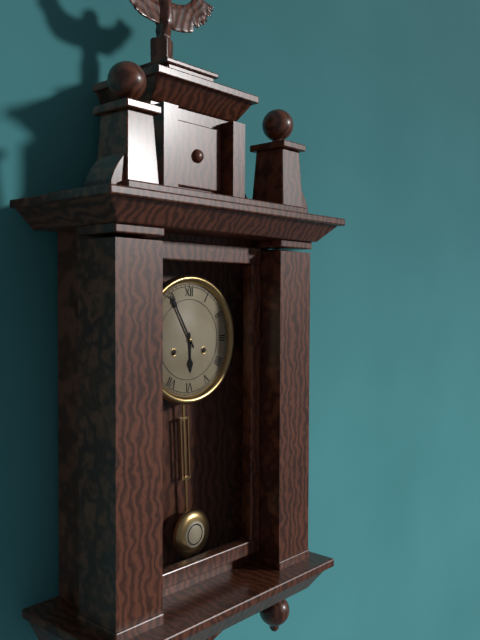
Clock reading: h=5 m=55
